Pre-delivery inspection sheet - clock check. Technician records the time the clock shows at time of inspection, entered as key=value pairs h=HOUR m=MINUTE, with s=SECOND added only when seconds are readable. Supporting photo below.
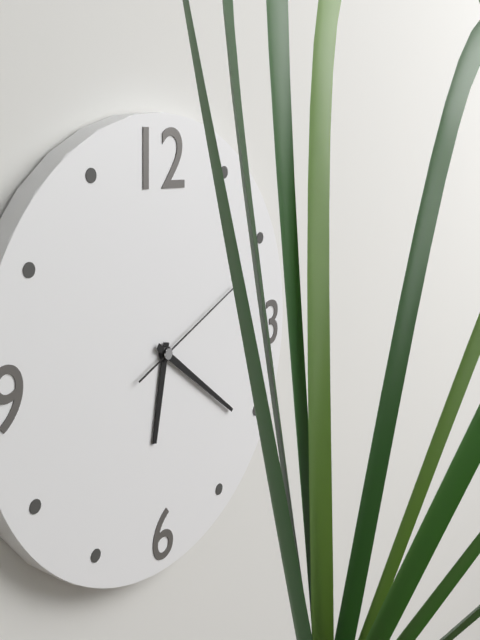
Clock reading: h=6 m=21 s=11
